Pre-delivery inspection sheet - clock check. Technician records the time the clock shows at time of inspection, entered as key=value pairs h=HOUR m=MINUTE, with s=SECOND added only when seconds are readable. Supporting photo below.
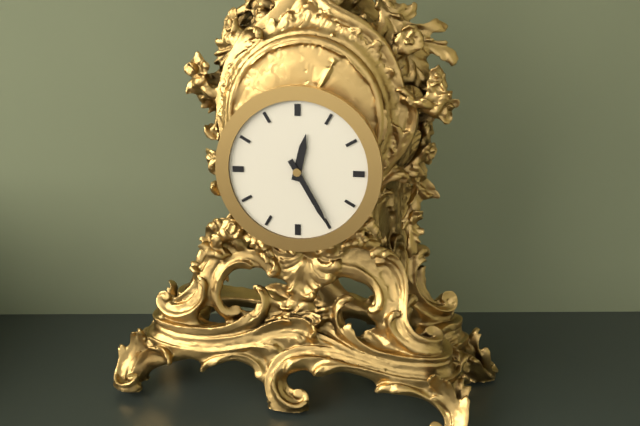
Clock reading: h=12 m=25
